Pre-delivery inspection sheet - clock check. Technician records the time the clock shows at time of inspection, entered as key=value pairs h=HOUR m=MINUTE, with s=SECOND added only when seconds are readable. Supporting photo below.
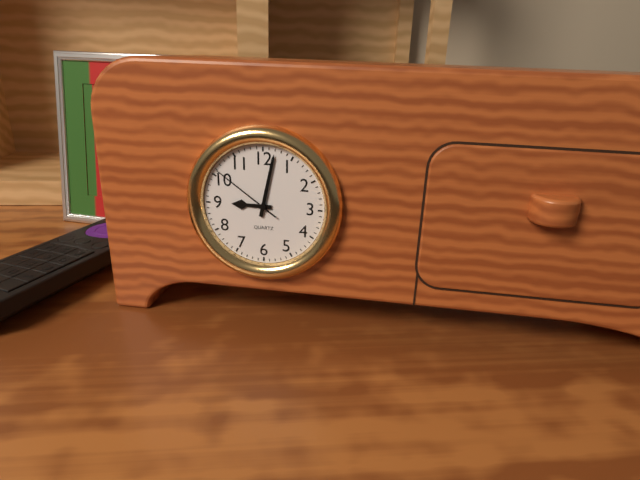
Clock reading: h=9 m=2 s=51
